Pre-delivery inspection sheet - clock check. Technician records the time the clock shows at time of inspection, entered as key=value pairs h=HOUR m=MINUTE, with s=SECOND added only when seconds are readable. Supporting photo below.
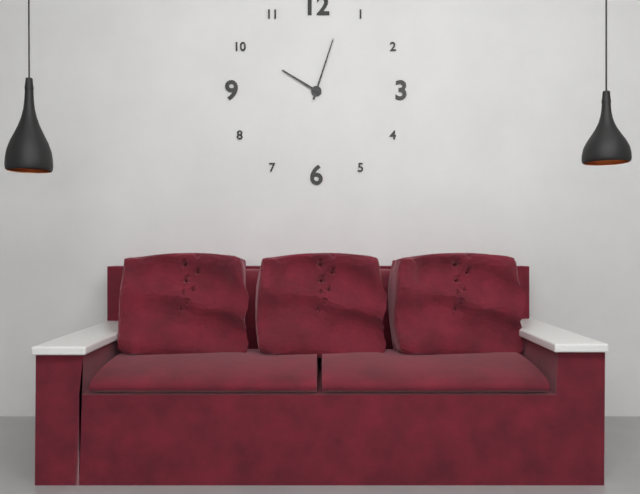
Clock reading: h=10 m=3
